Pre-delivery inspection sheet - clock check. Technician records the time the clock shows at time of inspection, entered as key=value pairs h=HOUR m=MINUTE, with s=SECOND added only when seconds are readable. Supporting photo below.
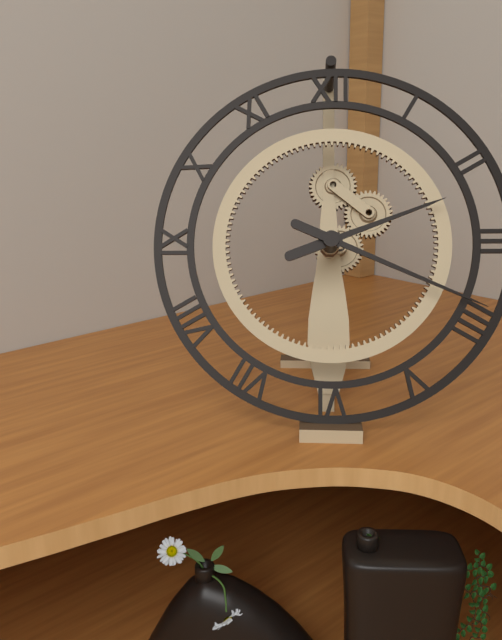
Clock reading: h=2 m=19
